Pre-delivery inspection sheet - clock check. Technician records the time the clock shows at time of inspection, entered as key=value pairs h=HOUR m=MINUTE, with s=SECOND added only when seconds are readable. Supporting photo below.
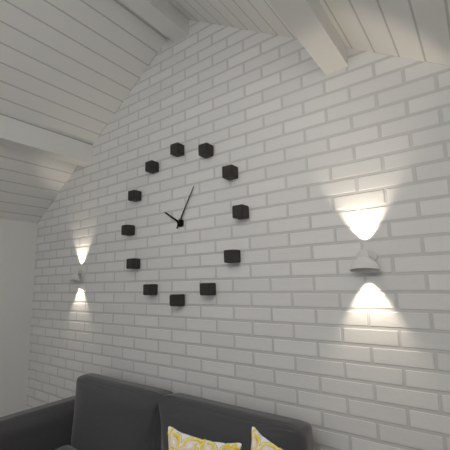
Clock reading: h=10 m=5
